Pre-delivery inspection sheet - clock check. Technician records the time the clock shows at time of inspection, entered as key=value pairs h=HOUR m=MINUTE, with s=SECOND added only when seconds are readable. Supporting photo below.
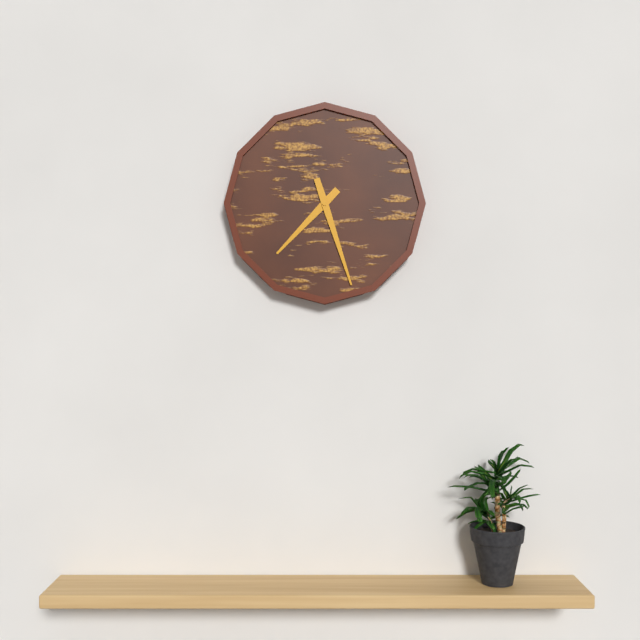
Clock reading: h=7 m=27
